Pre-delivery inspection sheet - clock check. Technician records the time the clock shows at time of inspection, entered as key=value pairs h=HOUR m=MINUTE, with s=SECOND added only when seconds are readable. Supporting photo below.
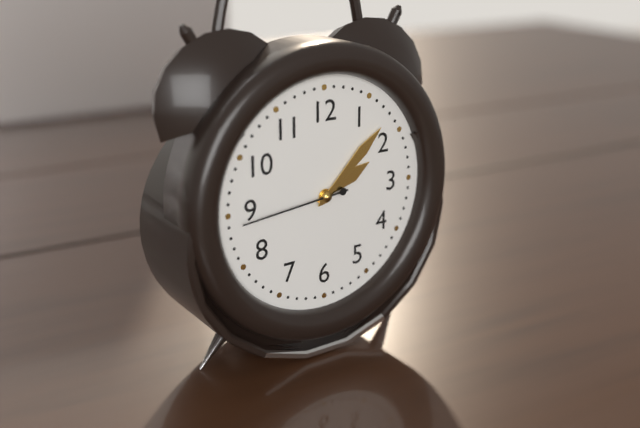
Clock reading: h=2 m=8 s=44
